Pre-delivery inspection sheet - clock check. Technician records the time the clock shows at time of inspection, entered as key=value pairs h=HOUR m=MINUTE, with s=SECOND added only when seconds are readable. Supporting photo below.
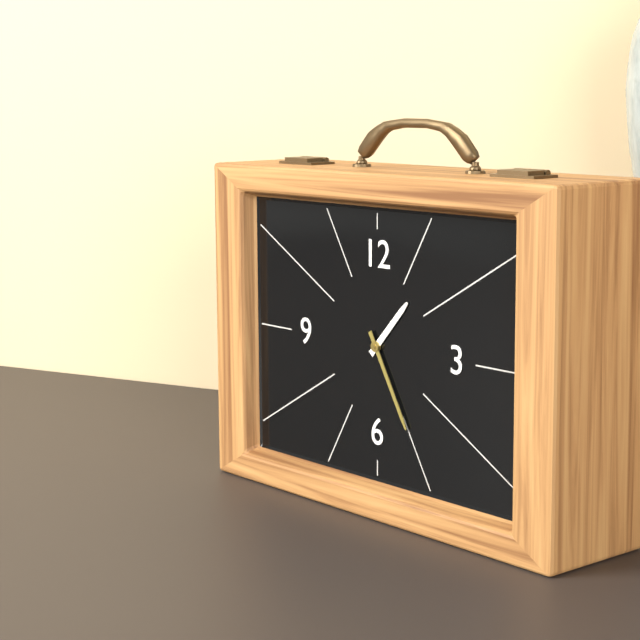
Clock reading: h=1 m=25
